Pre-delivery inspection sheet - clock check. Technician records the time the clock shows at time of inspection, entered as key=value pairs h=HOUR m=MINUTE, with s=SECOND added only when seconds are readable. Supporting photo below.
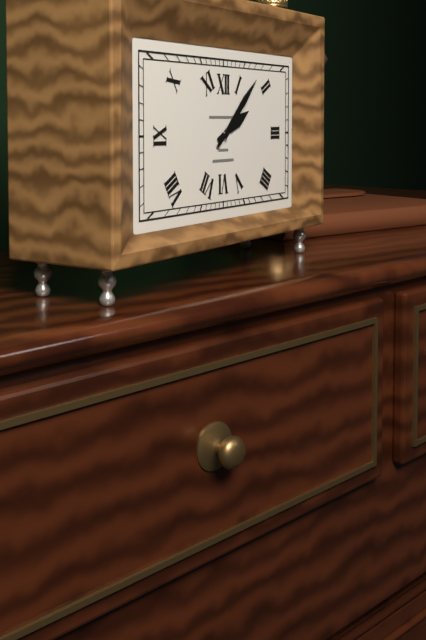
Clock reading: h=2 m=8
